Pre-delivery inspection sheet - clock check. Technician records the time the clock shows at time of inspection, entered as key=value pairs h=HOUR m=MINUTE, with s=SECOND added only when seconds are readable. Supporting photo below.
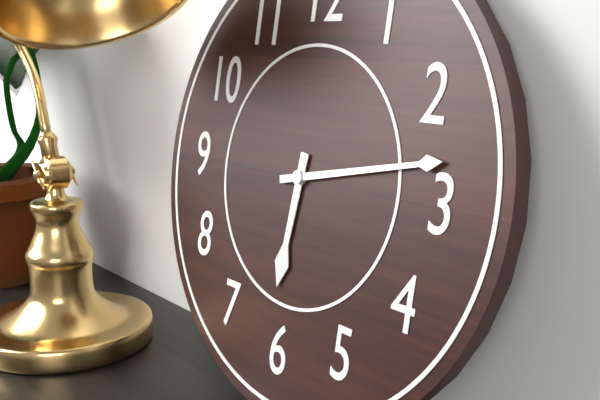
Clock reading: h=6 m=13
